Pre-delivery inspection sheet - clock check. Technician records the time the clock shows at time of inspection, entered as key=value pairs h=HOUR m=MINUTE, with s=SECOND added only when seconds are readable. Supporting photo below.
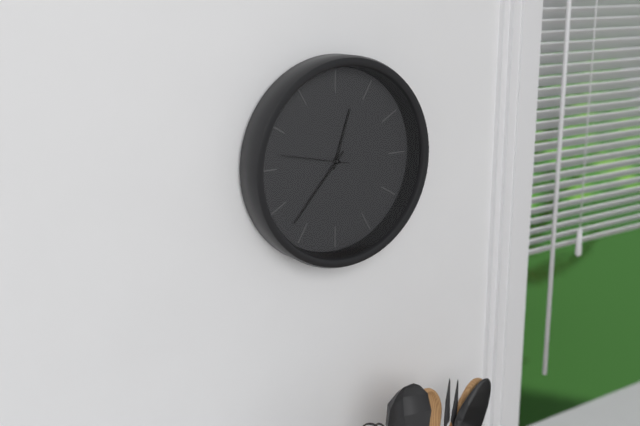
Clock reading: h=12 m=37 s=47
